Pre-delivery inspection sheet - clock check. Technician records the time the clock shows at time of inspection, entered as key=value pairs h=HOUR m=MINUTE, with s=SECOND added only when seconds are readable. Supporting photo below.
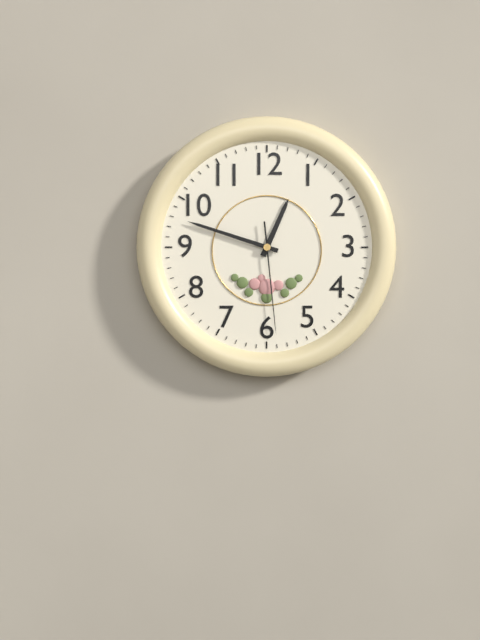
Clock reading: h=12 m=48 s=29
